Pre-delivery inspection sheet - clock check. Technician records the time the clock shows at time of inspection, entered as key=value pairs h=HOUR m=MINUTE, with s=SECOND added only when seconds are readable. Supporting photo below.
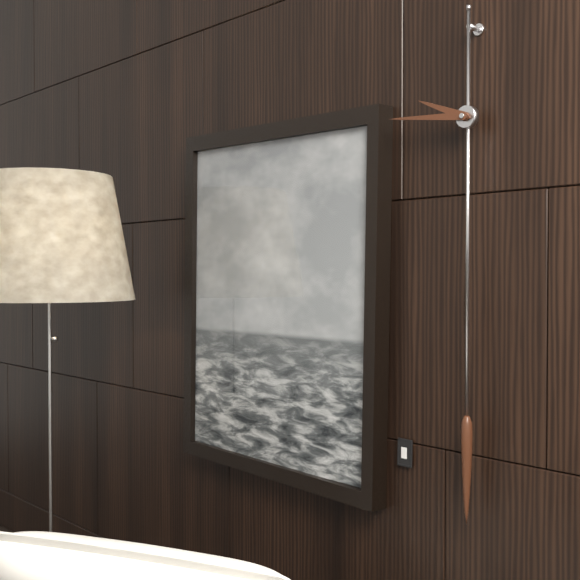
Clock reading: h=9 m=46
